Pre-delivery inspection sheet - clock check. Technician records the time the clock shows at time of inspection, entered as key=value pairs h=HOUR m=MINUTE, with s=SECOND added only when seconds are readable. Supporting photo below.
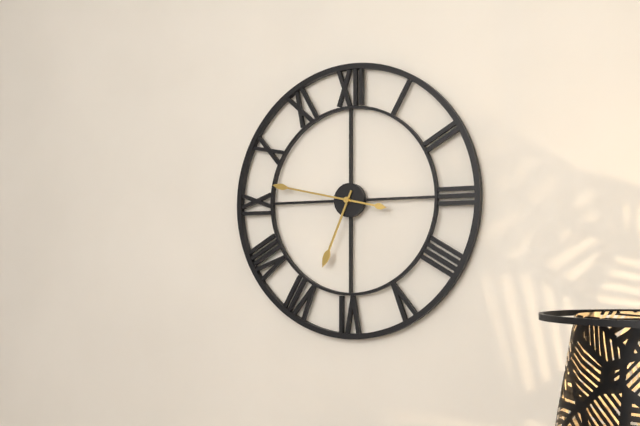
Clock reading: h=6 m=47
